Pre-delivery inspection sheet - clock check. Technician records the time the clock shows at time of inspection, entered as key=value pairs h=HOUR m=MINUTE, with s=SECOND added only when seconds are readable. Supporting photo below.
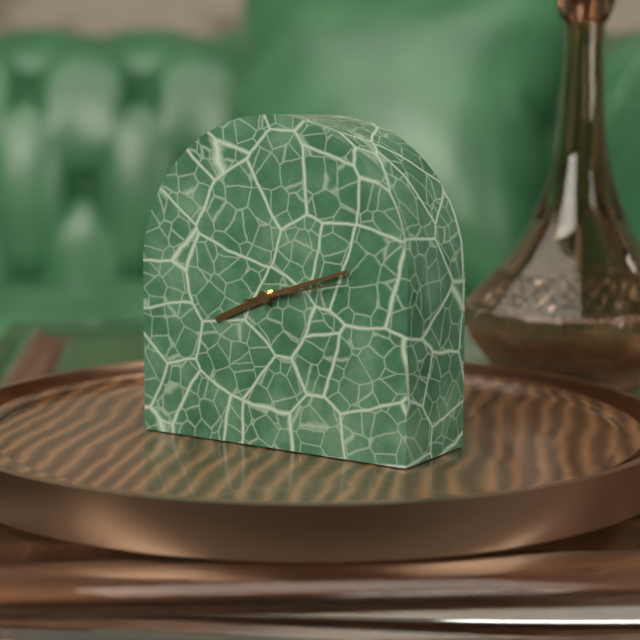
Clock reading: h=8 m=12 s=13
